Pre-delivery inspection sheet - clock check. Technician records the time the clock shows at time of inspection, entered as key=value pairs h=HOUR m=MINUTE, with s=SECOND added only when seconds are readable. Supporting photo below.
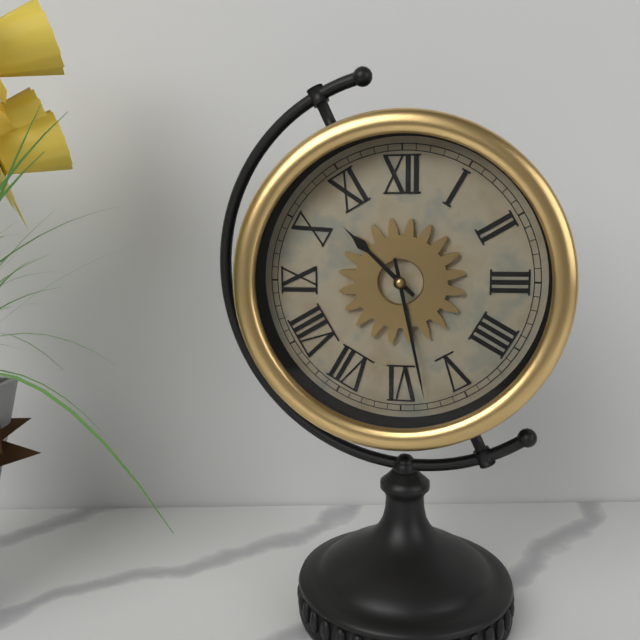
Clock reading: h=10 m=28
